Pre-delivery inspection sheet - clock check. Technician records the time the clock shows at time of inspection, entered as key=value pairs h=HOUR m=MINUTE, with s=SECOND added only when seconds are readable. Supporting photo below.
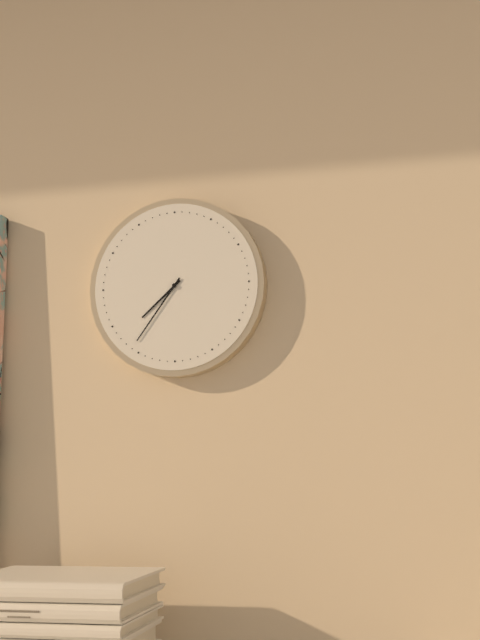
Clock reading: h=7 m=36
